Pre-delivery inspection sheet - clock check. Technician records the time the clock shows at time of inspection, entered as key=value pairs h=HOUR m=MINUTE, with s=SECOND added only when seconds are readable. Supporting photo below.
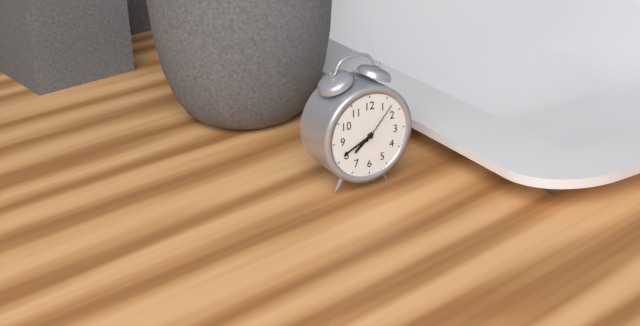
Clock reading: h=7 m=41
